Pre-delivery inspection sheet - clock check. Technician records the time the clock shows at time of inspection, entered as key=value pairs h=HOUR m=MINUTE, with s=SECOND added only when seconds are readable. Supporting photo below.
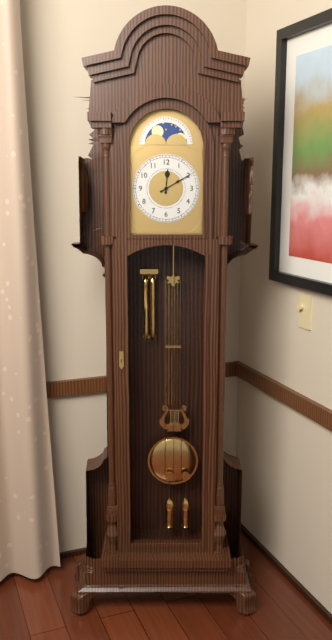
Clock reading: h=12 m=10
